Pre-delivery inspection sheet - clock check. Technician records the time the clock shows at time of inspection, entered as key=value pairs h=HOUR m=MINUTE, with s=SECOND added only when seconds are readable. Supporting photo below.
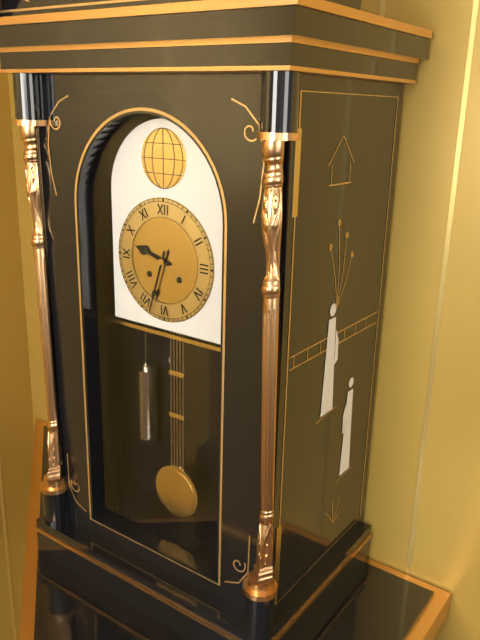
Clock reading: h=9 m=33
